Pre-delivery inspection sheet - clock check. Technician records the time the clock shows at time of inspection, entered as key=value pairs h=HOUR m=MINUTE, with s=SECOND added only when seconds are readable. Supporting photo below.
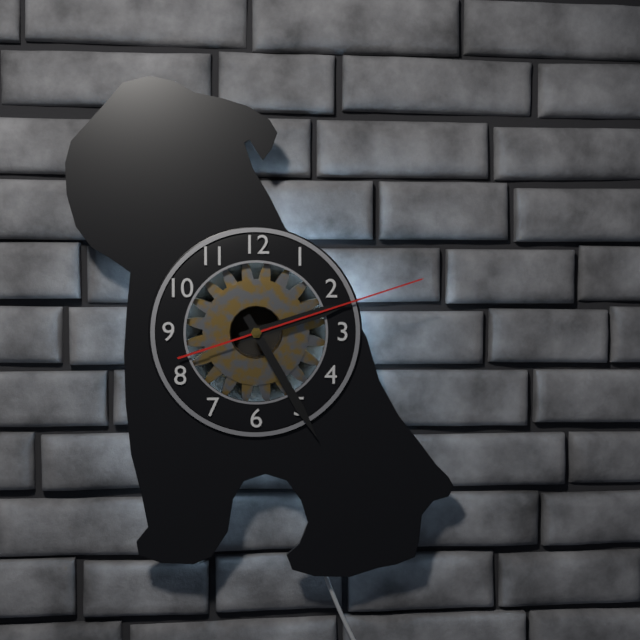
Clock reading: h=2 m=25 s=12
